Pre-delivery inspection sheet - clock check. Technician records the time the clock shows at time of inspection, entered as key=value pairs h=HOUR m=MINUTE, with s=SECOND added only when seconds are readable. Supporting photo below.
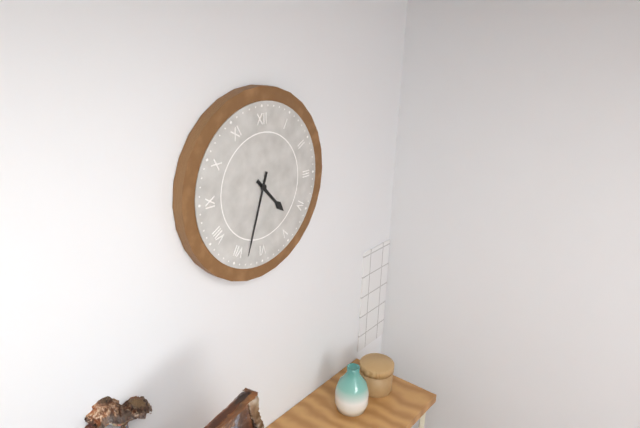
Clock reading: h=4 m=33
